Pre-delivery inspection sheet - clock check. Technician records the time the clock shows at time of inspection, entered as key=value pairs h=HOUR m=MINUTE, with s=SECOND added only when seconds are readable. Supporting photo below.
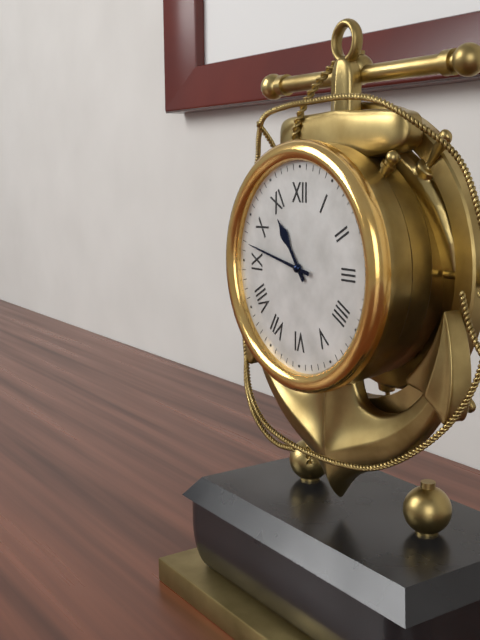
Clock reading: h=10 m=47
